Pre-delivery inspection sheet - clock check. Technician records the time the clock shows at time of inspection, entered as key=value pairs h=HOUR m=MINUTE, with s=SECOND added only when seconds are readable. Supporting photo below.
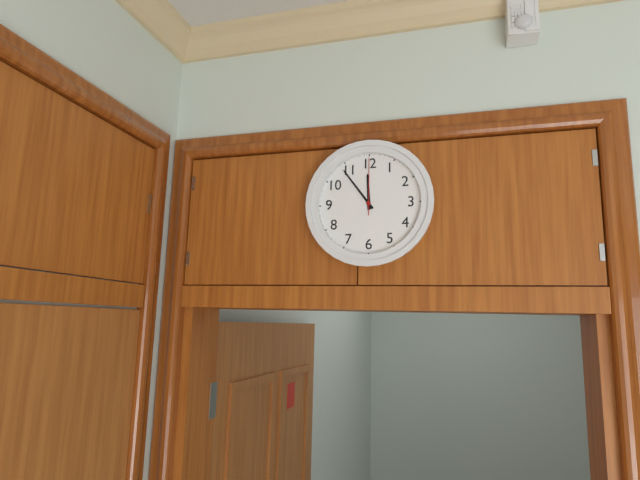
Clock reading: h=11 m=54 s=0
